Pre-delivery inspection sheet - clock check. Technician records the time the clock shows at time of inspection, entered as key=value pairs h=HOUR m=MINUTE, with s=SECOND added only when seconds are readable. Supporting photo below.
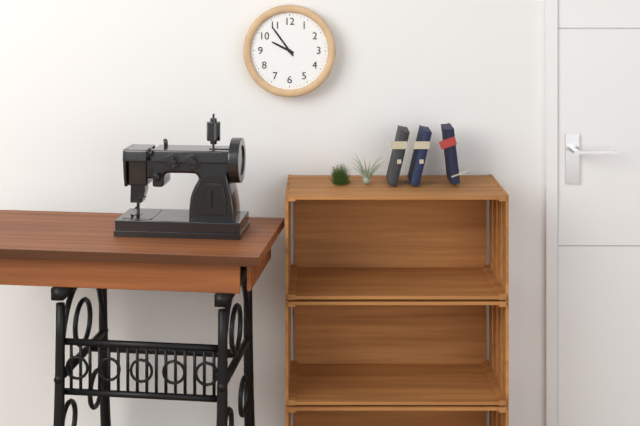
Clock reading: h=9 m=54
